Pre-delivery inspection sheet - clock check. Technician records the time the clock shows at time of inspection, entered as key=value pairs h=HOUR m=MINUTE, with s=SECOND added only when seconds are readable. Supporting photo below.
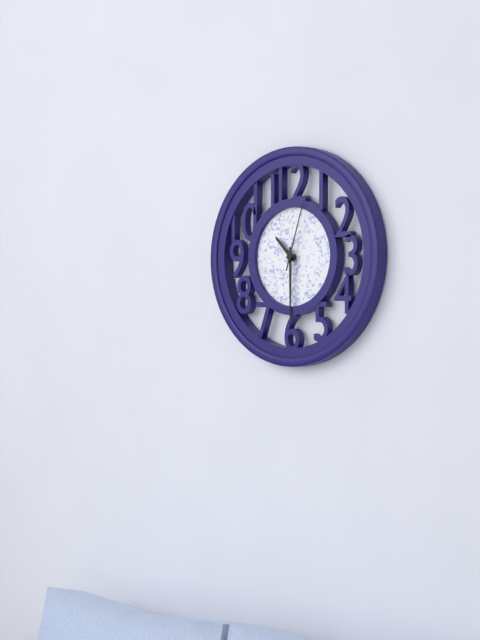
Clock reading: h=10 m=30 s=3
